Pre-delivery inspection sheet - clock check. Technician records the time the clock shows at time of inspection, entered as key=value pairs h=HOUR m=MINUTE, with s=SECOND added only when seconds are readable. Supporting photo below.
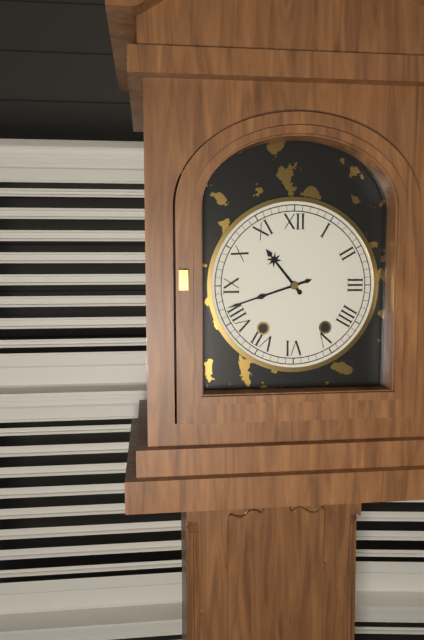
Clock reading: h=10 m=42
